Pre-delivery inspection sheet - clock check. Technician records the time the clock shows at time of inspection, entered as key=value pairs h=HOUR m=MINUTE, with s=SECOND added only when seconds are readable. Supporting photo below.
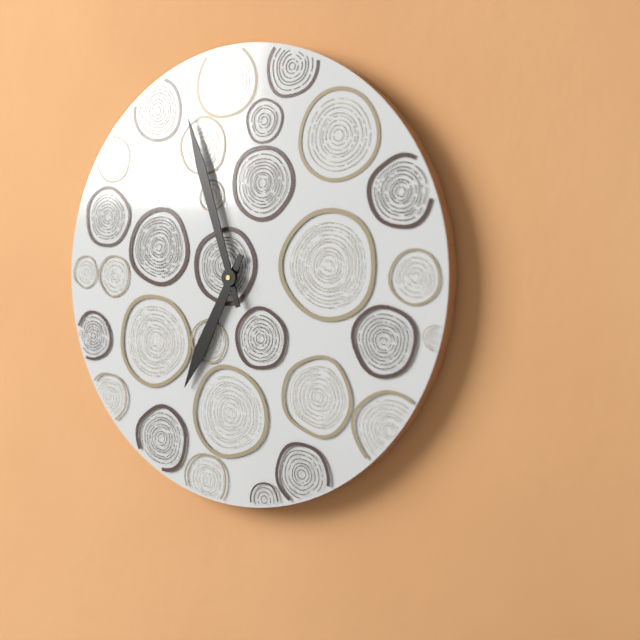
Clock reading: h=6 m=57
